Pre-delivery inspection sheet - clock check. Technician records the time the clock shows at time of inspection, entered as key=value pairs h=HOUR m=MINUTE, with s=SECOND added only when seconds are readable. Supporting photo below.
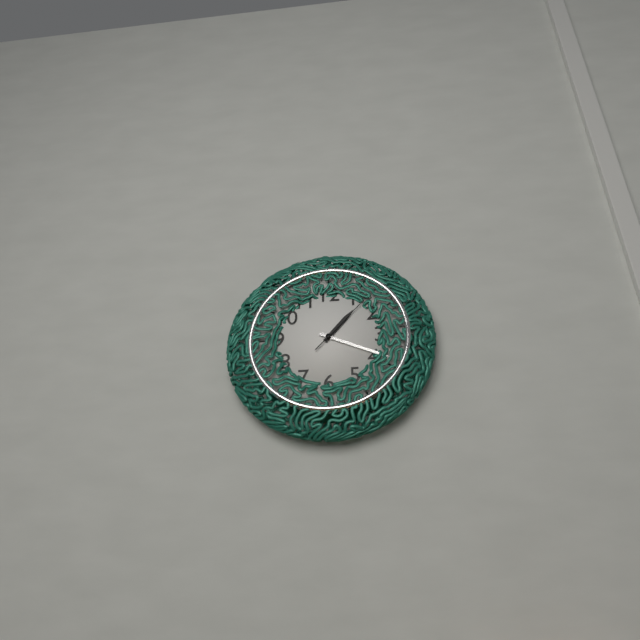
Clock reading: h=1 m=19 s=7
